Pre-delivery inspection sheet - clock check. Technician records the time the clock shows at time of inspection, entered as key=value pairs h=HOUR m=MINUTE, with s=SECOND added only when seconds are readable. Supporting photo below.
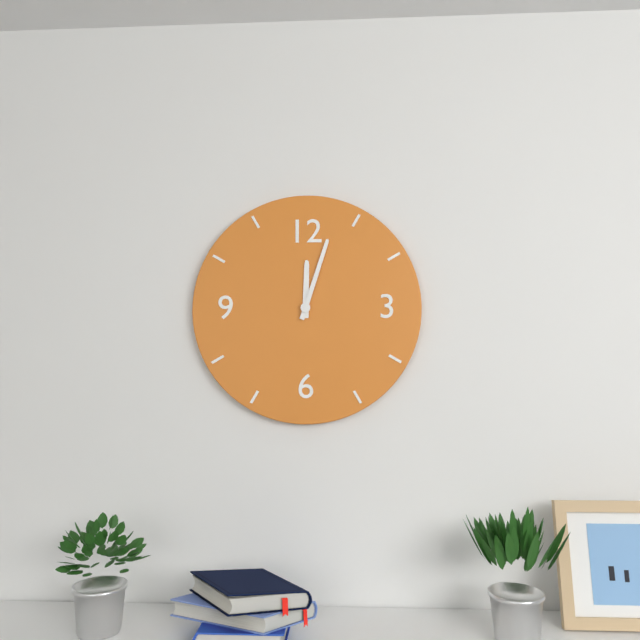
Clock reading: h=12 m=3
